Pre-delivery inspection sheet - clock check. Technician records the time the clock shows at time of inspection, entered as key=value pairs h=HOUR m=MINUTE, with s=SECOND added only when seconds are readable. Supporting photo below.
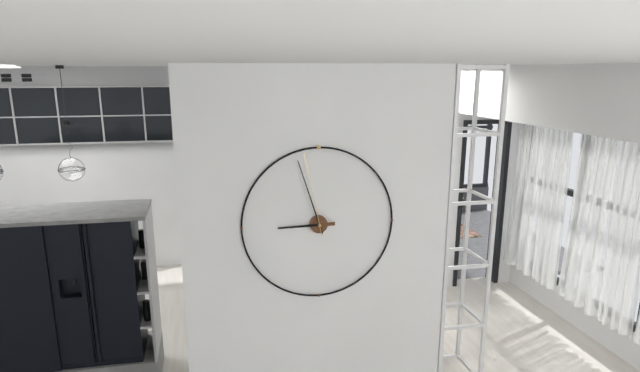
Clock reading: h=8 m=57 s=58
